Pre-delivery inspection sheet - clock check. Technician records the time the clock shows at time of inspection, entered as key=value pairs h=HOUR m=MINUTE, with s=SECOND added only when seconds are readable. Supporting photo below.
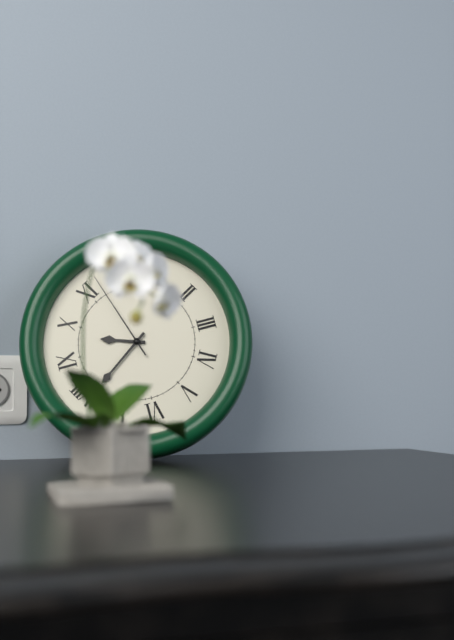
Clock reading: h=9 m=39 s=57
